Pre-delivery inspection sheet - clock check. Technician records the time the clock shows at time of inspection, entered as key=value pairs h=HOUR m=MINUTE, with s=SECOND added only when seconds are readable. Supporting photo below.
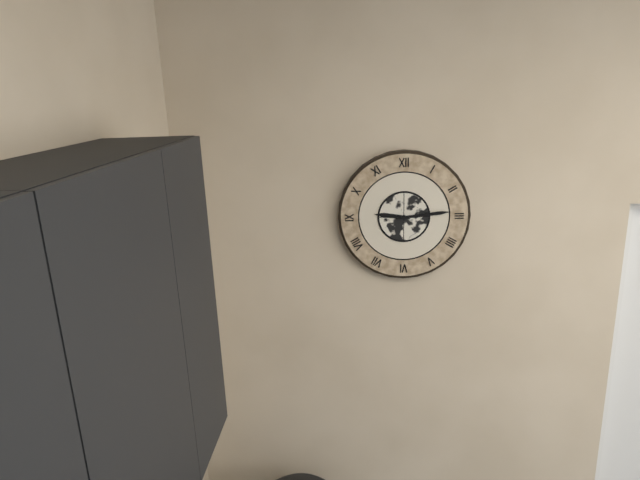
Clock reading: h=9 m=14
